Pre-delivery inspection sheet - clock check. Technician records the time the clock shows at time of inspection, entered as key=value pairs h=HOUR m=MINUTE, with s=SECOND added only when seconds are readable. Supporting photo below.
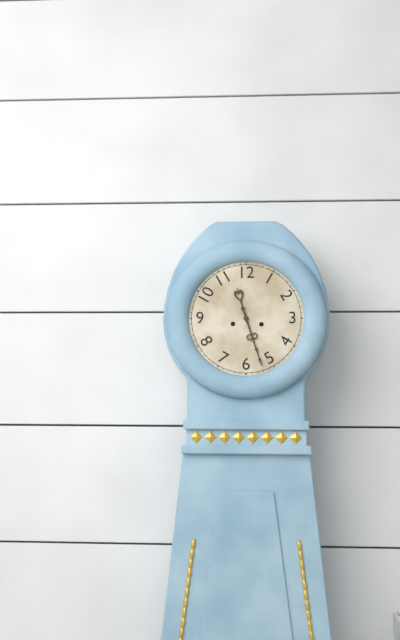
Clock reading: h=11 m=27
